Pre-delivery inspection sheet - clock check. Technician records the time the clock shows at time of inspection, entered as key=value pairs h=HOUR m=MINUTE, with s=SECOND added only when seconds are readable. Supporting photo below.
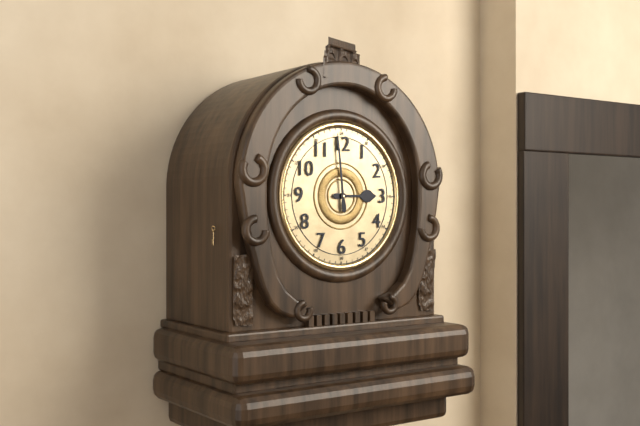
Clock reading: h=2 m=59
